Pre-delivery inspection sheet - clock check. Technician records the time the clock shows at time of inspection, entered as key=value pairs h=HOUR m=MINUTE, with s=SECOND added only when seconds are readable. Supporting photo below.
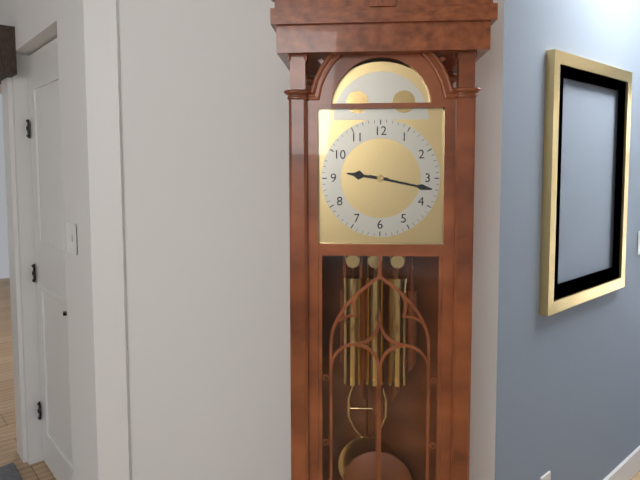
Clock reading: h=9 m=17
